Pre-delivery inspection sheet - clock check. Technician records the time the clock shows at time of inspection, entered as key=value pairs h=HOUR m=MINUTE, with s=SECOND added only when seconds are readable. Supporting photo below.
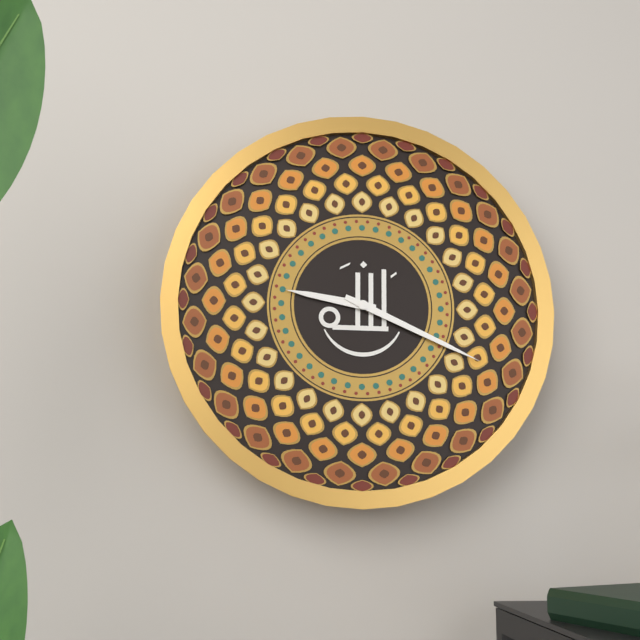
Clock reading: h=9 m=19
